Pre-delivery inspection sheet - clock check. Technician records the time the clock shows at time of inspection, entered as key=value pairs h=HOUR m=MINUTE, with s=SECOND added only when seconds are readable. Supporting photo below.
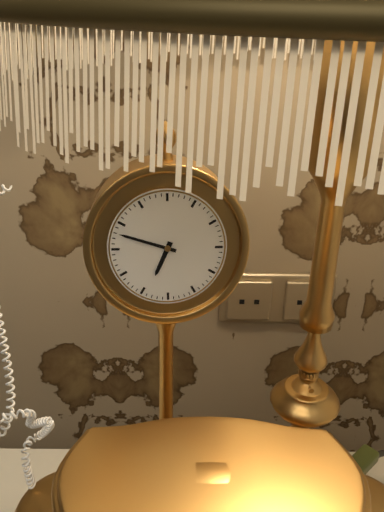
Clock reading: h=6 m=48
